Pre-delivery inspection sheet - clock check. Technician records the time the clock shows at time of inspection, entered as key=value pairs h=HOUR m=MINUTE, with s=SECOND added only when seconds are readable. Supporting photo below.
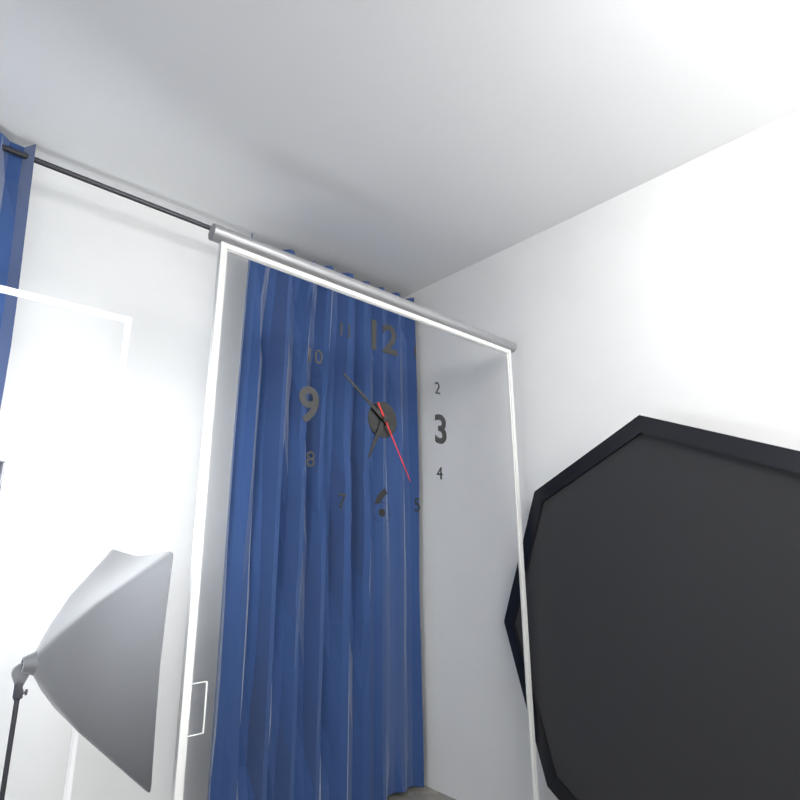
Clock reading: h=6 m=51 s=25
